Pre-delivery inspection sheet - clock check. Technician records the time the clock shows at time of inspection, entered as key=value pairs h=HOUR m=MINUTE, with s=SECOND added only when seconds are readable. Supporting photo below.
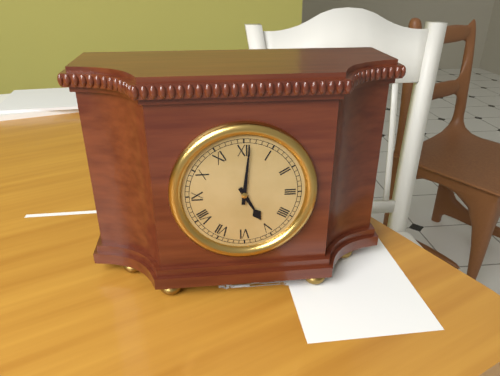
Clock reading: h=5 m=1
